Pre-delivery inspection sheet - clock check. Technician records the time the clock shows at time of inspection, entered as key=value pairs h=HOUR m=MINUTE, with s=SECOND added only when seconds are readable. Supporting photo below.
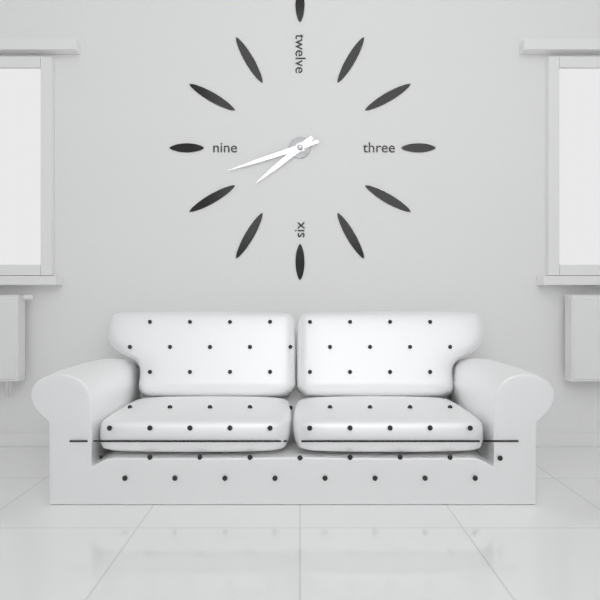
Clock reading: h=7 m=42
